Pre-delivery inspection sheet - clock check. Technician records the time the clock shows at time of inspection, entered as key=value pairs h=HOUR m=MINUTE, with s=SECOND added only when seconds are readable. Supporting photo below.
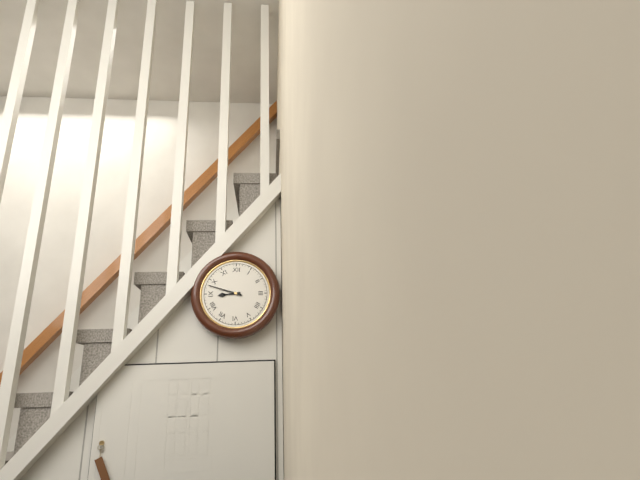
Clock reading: h=8 m=48
